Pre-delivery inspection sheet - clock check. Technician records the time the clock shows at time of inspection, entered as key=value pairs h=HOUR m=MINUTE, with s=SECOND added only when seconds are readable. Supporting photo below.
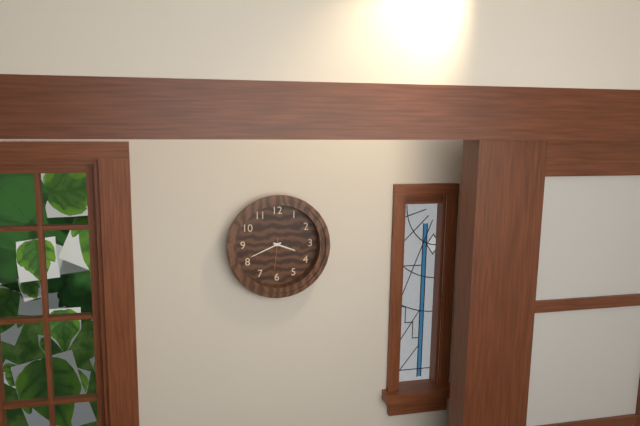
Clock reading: h=3 m=41
